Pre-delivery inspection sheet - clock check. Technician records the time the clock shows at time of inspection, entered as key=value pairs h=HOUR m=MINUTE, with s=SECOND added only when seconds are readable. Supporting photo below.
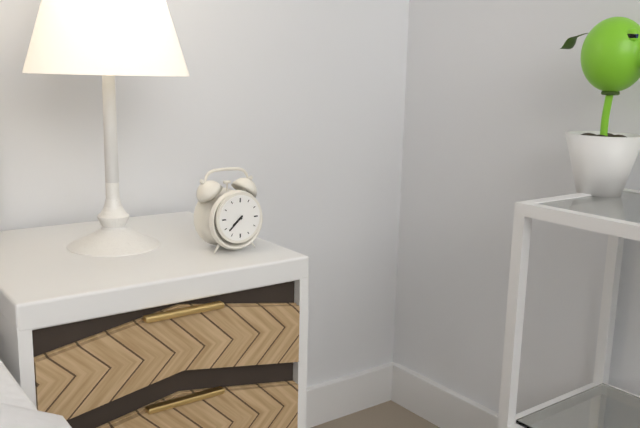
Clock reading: h=7 m=38
